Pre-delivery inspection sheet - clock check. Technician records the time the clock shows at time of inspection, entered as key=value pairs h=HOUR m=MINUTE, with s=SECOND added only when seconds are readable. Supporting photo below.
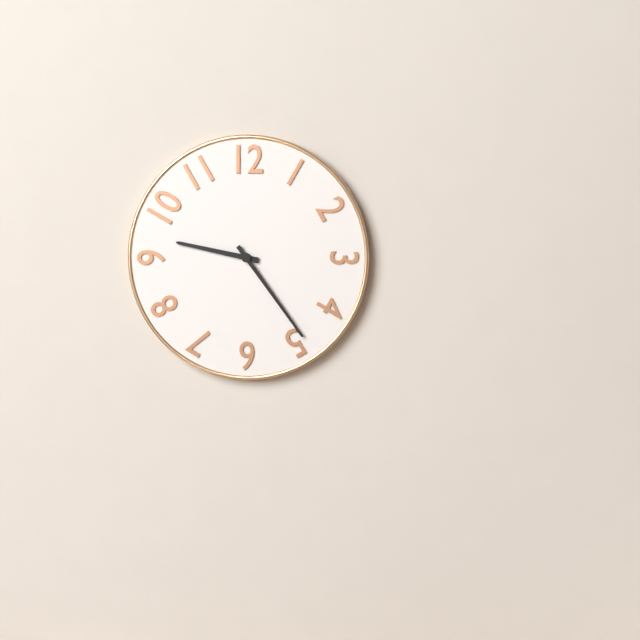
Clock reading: h=9 m=24
